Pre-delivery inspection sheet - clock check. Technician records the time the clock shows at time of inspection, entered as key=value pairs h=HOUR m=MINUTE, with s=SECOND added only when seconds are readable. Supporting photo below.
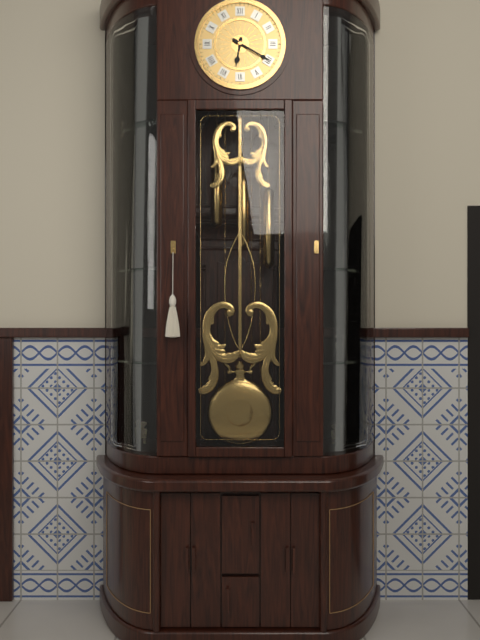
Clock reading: h=6 m=20
